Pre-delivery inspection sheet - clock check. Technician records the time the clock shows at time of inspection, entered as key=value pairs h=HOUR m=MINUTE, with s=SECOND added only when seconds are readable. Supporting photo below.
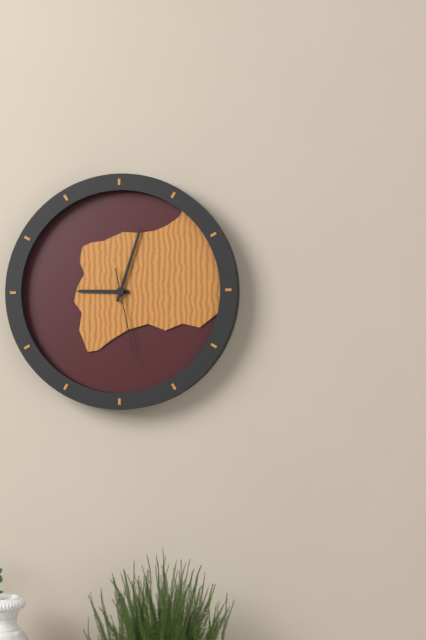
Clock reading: h=9 m=3 s=28
